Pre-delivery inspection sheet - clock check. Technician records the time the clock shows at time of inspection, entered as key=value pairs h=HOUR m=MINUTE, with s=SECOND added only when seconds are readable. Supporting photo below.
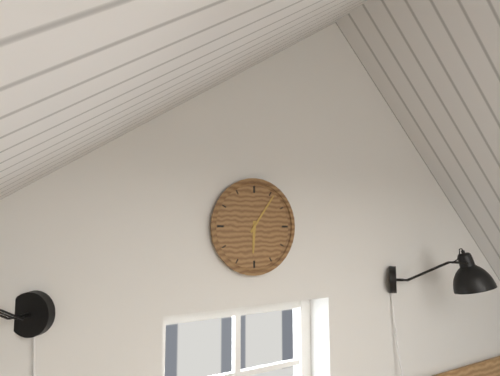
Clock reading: h=6 m=6
